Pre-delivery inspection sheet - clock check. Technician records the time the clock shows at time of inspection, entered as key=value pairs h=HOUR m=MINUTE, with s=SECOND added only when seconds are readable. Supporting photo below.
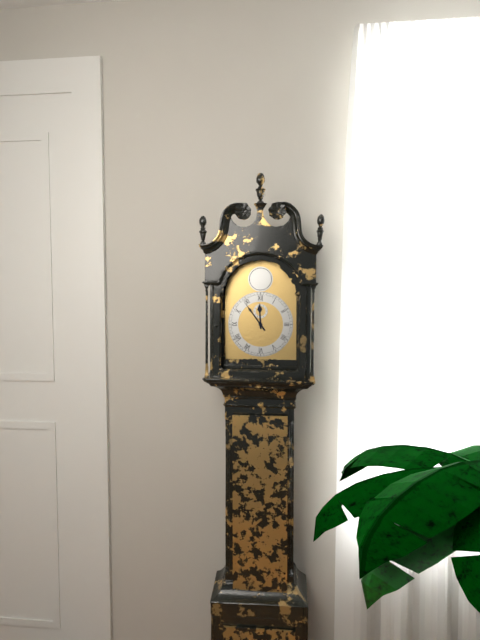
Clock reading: h=11 m=54
